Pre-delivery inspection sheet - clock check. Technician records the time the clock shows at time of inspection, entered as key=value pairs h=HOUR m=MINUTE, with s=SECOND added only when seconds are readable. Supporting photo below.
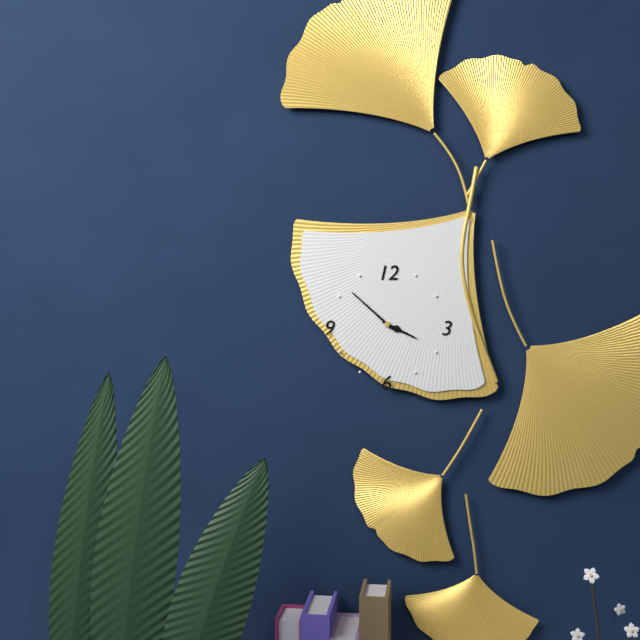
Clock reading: h=3 m=52
